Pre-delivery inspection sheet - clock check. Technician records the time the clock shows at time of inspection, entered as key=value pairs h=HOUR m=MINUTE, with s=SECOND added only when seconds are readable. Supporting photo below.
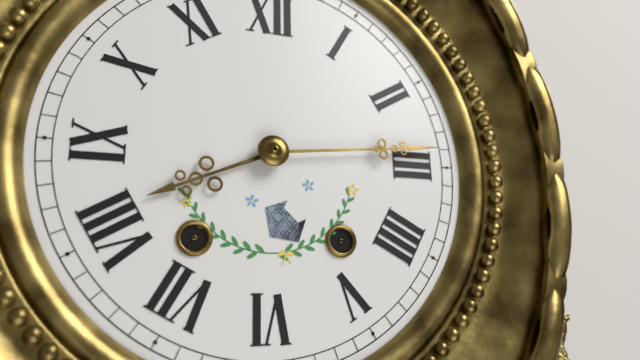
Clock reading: h=8 m=14
